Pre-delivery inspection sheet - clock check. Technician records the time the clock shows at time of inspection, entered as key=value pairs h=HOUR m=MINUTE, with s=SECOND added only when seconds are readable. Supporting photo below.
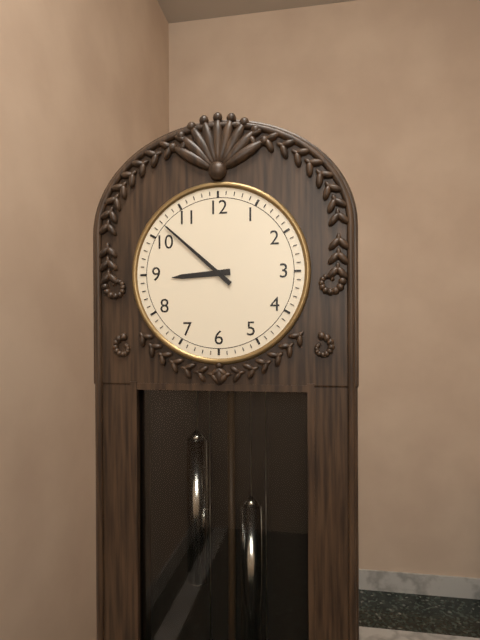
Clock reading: h=8 m=52
